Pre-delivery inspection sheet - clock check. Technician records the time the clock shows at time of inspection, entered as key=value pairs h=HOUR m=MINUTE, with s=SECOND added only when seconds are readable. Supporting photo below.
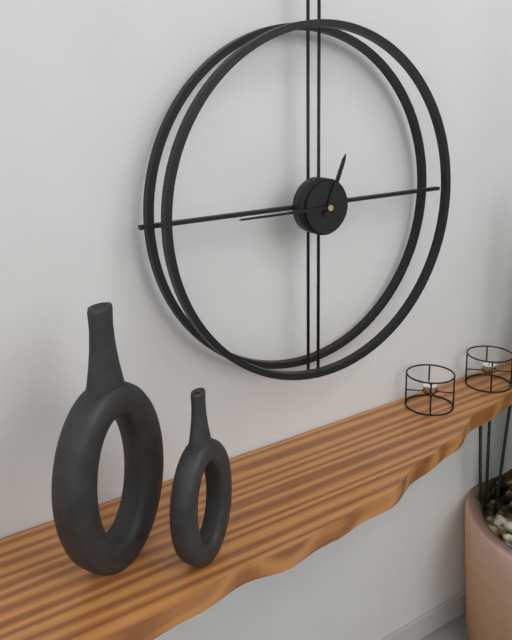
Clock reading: h=12 m=45
